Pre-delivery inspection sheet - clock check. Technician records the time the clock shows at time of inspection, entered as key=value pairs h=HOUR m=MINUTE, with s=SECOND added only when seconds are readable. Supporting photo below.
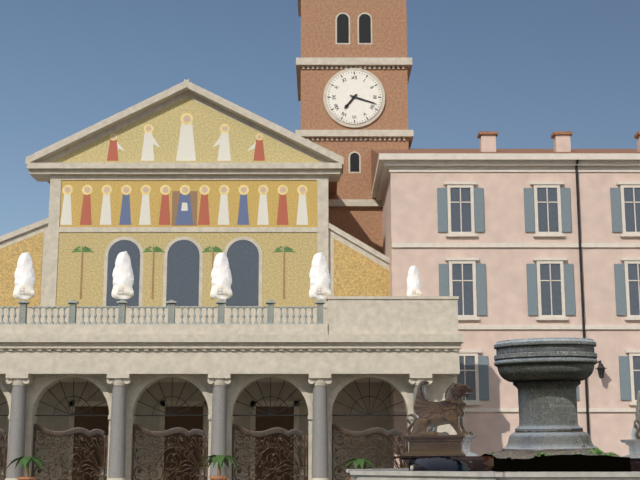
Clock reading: h=7 m=18
